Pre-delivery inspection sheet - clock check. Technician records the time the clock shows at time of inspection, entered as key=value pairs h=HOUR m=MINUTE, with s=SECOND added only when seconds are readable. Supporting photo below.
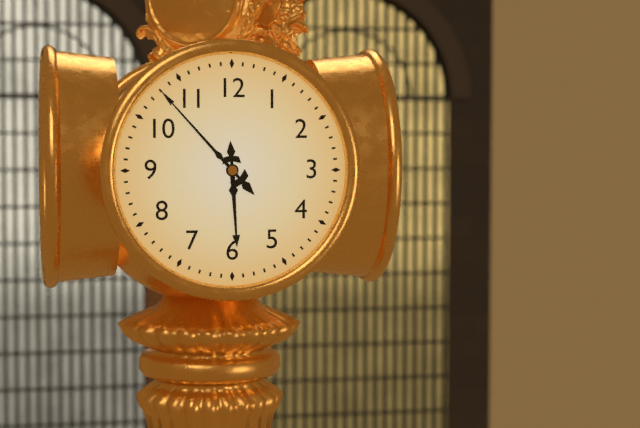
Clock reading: h=5 m=53
